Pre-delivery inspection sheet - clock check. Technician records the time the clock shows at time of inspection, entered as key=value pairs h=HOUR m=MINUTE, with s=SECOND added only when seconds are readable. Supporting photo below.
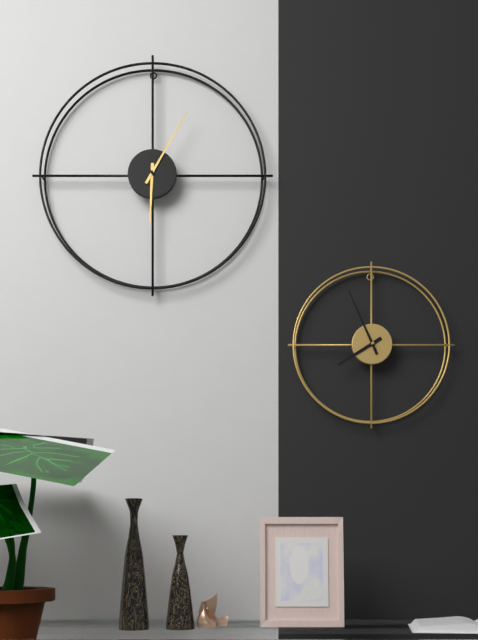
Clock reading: h=6 m=5
